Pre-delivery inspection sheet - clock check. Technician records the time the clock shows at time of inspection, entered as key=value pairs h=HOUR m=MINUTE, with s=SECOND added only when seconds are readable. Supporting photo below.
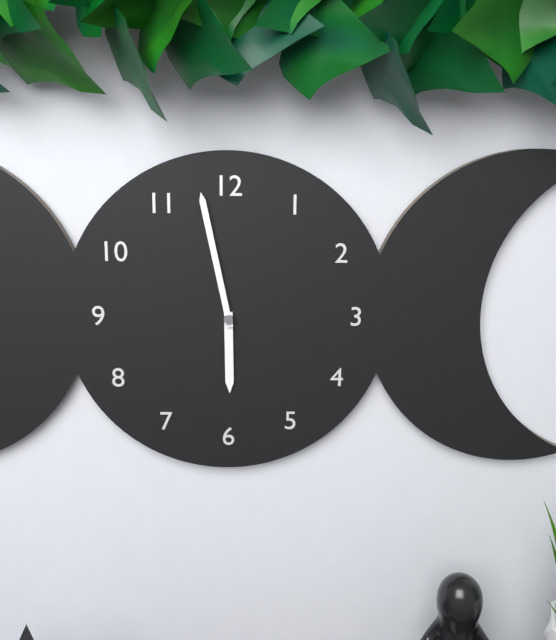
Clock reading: h=5 m=58
